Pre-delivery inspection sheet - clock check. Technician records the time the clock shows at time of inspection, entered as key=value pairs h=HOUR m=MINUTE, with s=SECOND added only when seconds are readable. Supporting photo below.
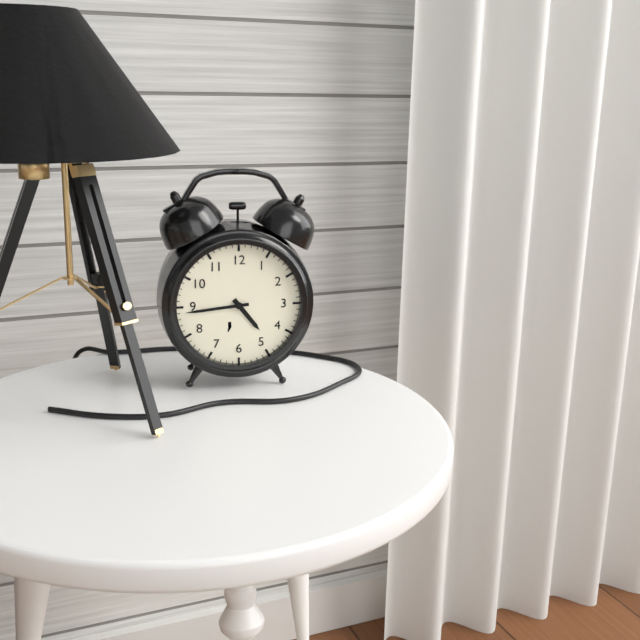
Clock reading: h=4 m=44
